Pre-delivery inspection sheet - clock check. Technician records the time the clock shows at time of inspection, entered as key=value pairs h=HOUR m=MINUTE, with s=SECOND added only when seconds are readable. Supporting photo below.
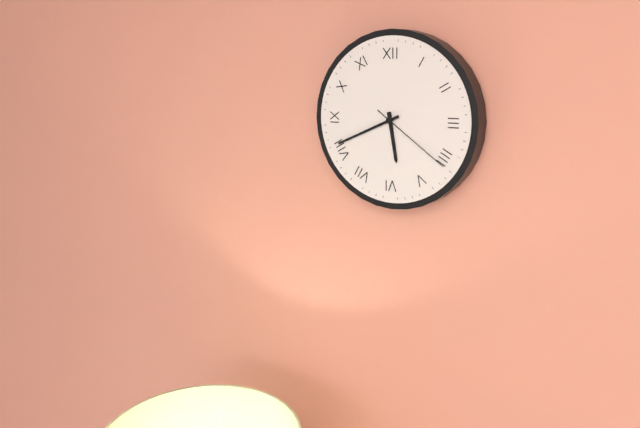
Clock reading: h=5 m=41 s=21
